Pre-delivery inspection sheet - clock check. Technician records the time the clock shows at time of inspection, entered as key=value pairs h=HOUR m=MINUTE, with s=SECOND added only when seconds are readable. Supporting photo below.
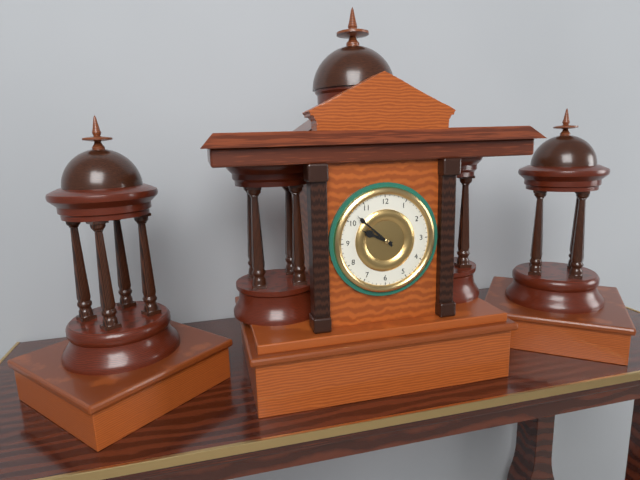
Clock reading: h=9 m=52
